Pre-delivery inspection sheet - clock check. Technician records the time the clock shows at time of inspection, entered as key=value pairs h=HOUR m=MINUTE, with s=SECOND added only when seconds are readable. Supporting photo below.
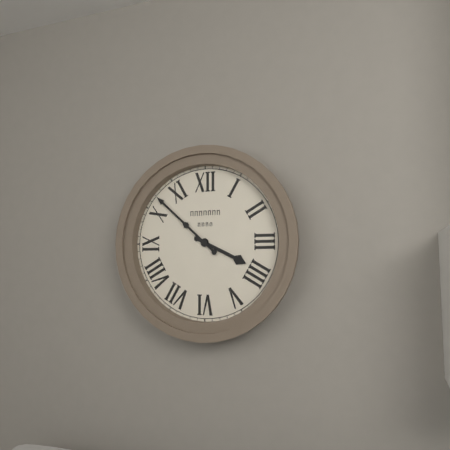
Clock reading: h=3 m=52
